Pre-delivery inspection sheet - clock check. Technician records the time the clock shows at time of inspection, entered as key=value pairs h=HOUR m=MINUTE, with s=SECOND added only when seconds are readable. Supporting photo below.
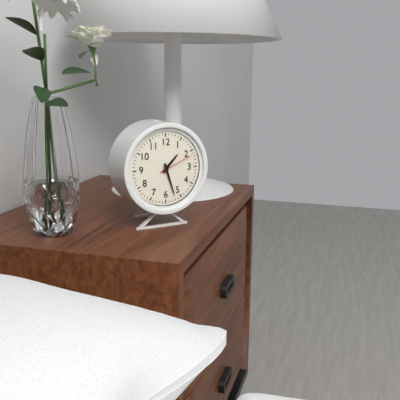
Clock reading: h=1 m=27
